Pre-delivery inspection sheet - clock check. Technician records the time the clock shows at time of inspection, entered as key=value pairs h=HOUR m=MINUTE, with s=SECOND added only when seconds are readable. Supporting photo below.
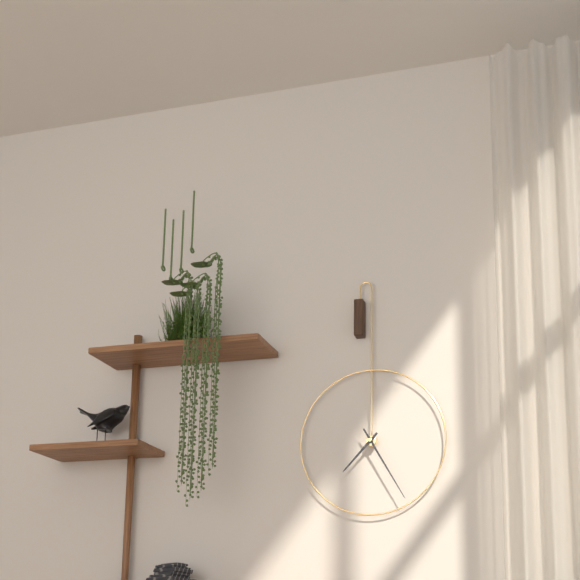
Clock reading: h=7 m=25
